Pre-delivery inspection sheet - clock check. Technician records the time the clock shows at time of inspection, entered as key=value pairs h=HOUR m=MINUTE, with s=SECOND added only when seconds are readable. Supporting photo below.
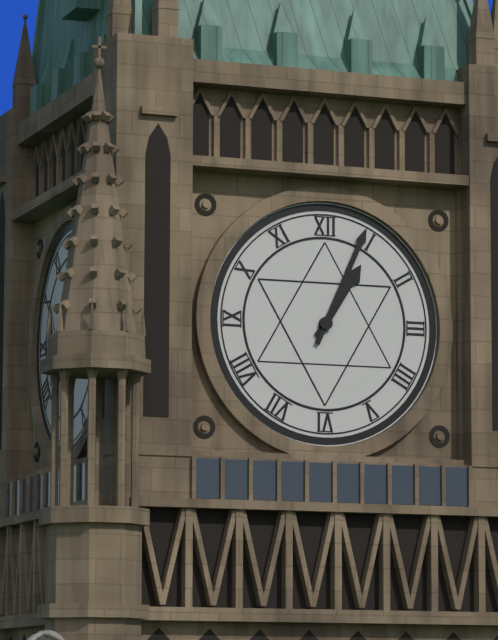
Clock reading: h=1 m=4
